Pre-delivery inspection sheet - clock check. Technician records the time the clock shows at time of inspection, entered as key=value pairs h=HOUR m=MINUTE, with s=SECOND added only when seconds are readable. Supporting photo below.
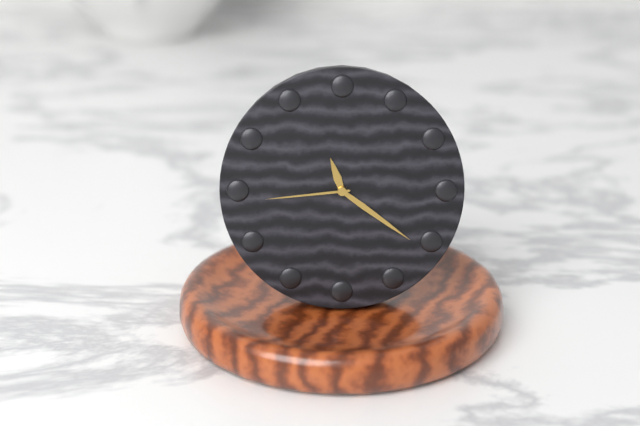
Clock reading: h=11 m=21 s=44
